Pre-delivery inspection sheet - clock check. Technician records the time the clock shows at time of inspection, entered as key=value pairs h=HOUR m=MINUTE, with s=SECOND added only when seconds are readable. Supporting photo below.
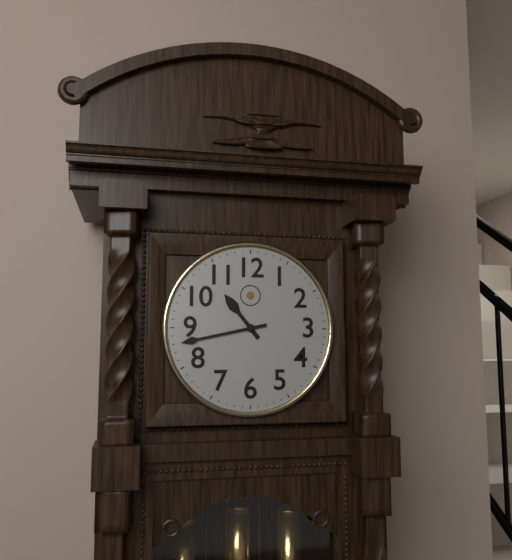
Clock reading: h=10 m=43
